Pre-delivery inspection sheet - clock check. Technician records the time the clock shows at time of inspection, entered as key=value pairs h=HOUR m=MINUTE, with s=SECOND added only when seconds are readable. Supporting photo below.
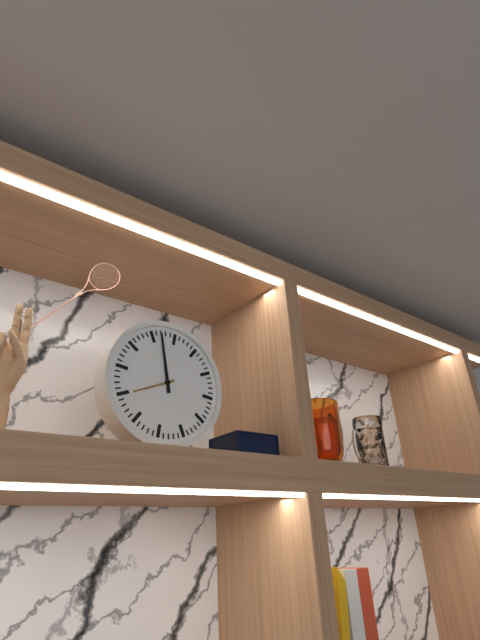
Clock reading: h=7 m=57
